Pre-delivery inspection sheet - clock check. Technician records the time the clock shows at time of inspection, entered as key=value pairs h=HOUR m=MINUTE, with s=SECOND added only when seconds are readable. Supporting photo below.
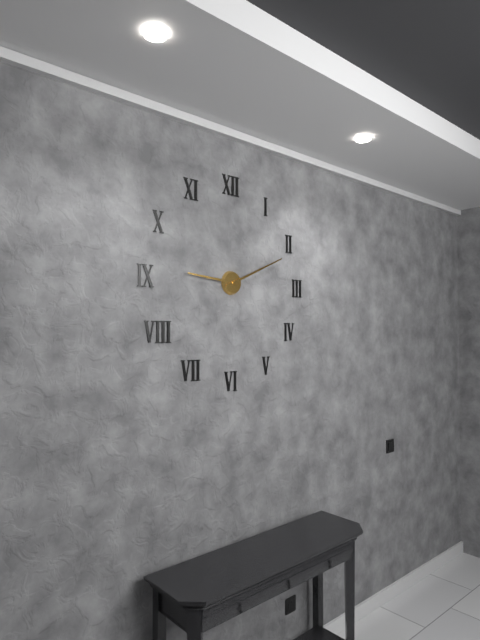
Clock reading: h=9 m=11
